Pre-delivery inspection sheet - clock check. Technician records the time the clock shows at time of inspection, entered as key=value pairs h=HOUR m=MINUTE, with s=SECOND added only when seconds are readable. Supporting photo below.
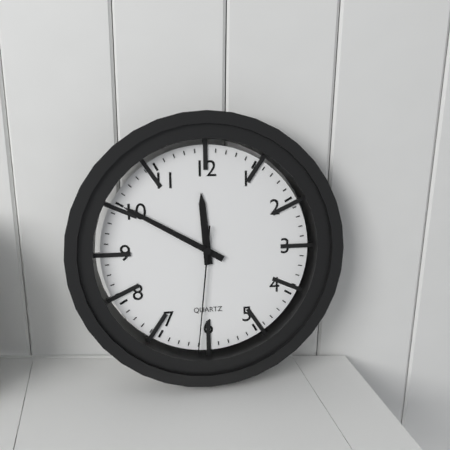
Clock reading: h=11 m=50 s=31
